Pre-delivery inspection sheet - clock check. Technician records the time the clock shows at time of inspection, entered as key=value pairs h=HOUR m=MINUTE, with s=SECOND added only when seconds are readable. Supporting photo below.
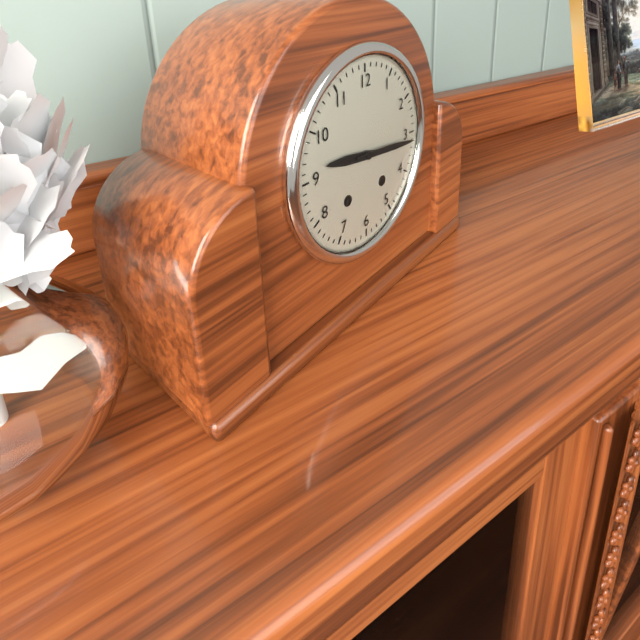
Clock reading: h=9 m=16
